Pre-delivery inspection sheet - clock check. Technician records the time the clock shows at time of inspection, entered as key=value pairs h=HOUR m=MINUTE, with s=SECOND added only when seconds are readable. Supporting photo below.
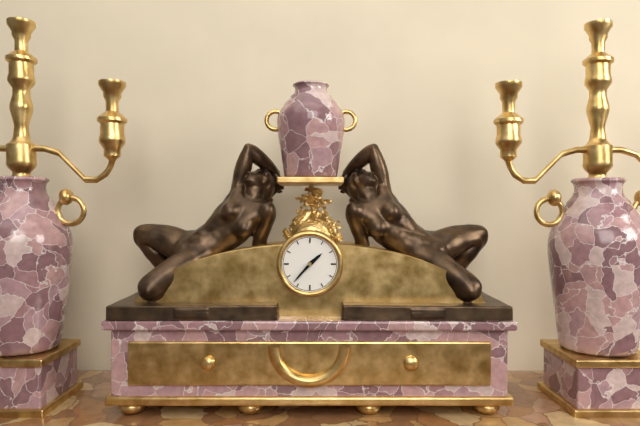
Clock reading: h=1 m=37
